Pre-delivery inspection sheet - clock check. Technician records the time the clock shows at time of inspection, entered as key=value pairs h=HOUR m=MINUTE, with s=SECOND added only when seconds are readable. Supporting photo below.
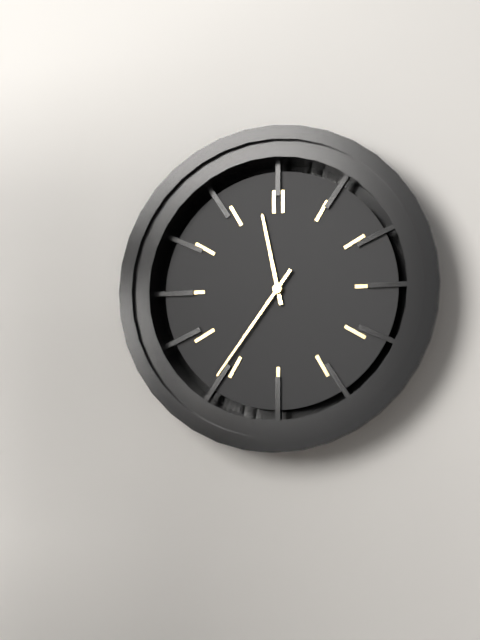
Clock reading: h=11 m=36
